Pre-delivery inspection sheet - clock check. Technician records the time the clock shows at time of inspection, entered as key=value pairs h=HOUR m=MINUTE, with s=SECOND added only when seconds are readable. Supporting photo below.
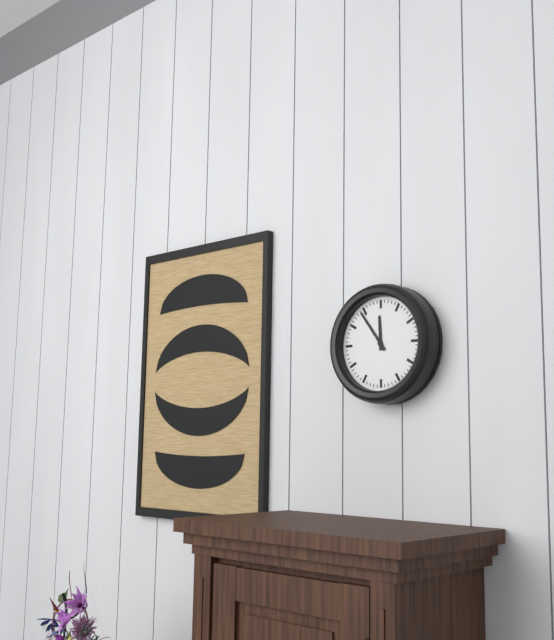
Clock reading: h=11 m=54
